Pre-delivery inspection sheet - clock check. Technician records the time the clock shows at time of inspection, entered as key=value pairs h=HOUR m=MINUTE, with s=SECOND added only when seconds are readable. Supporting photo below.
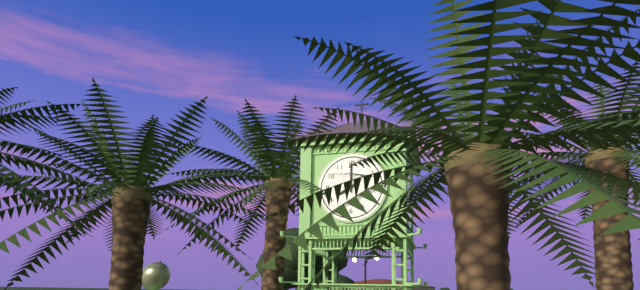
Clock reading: h=8 m=0
